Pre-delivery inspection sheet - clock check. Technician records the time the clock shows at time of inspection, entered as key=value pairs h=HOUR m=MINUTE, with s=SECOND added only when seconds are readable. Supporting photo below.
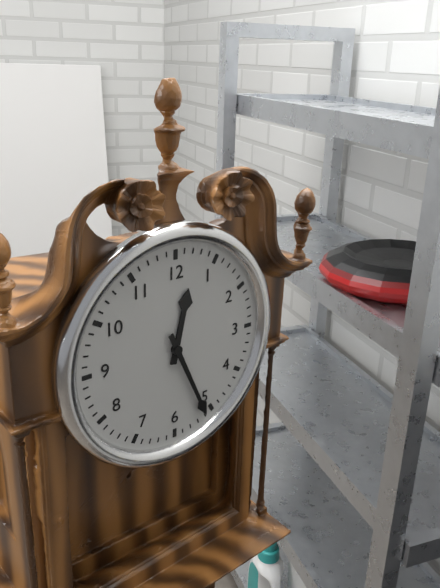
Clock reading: h=12 m=26
